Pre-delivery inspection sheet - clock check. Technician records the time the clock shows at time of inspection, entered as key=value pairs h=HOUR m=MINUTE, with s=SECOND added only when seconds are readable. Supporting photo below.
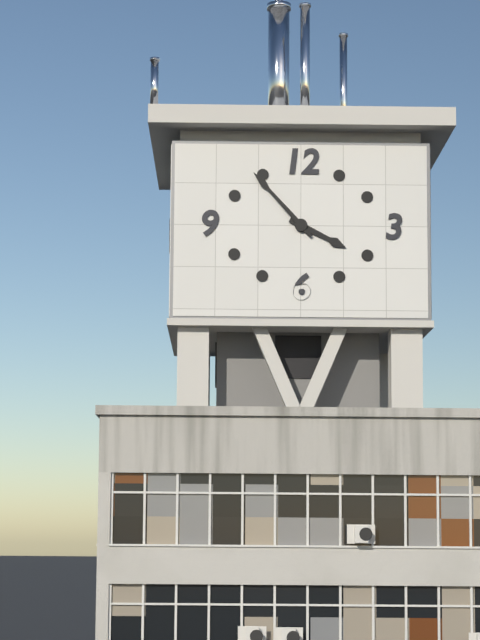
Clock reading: h=3 m=53
